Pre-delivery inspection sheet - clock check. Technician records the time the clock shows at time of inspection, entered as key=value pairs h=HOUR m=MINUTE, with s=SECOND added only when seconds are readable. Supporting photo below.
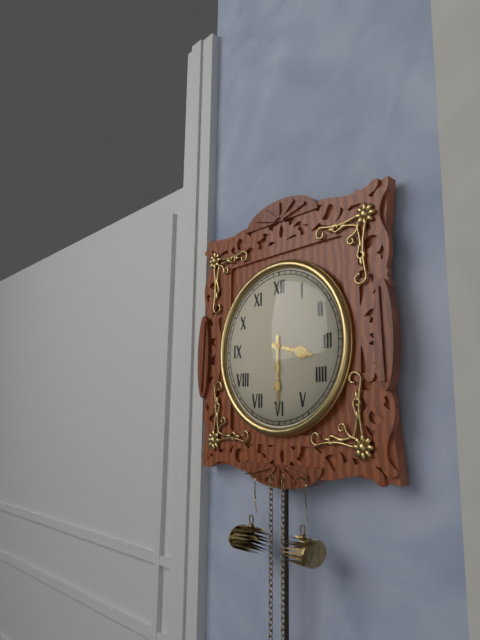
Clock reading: h=3 m=30
